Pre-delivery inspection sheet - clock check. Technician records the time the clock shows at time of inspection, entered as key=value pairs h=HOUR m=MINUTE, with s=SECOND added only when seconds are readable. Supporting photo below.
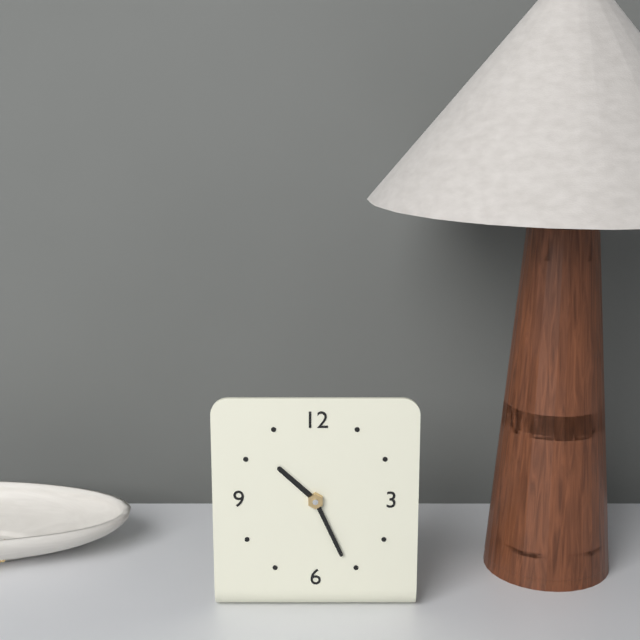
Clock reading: h=10 m=26
